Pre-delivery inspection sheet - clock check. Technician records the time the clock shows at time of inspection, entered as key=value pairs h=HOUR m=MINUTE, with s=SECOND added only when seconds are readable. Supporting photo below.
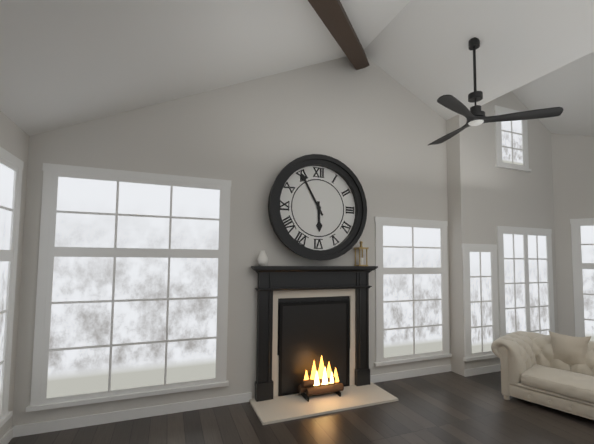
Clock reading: h=5 m=55
